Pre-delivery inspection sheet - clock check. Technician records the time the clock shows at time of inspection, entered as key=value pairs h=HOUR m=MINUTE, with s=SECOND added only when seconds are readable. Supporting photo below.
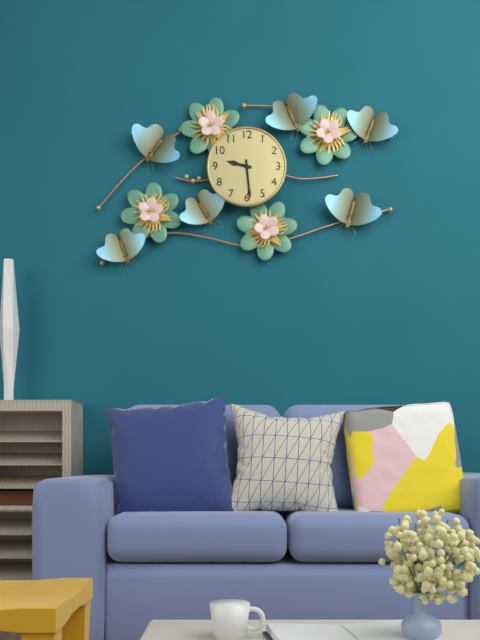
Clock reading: h=9 m=29
